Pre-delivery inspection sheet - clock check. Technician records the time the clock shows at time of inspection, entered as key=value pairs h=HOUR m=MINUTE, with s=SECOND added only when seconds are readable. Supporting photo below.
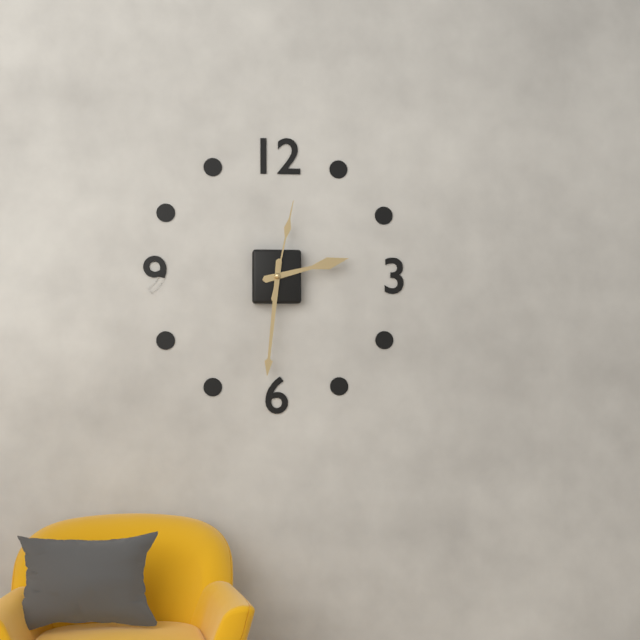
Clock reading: h=2 m=31 s=2
